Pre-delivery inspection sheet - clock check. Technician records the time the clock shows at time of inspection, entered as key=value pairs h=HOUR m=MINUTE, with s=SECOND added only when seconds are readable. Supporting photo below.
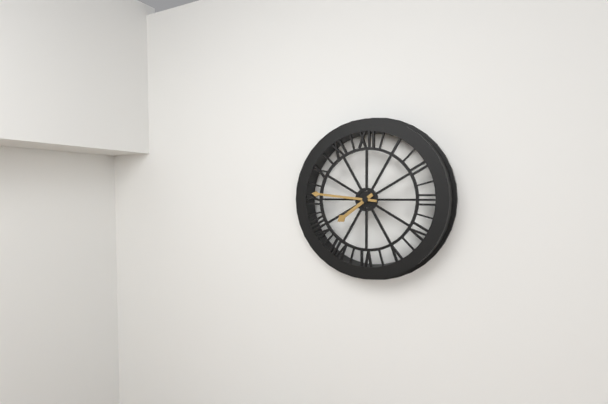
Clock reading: h=7 m=46
